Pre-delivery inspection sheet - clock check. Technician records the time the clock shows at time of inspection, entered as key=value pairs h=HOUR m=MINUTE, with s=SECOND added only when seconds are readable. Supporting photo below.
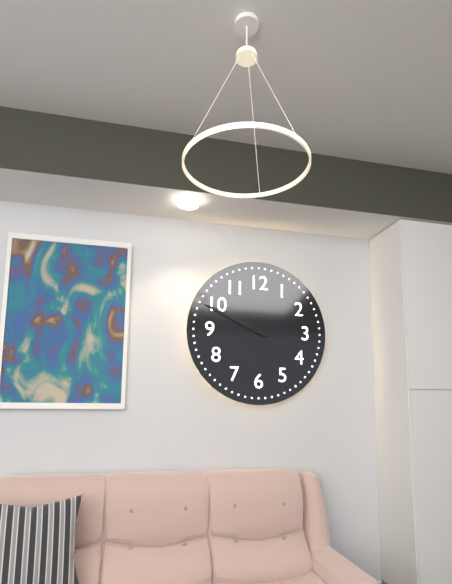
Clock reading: h=9 m=49
